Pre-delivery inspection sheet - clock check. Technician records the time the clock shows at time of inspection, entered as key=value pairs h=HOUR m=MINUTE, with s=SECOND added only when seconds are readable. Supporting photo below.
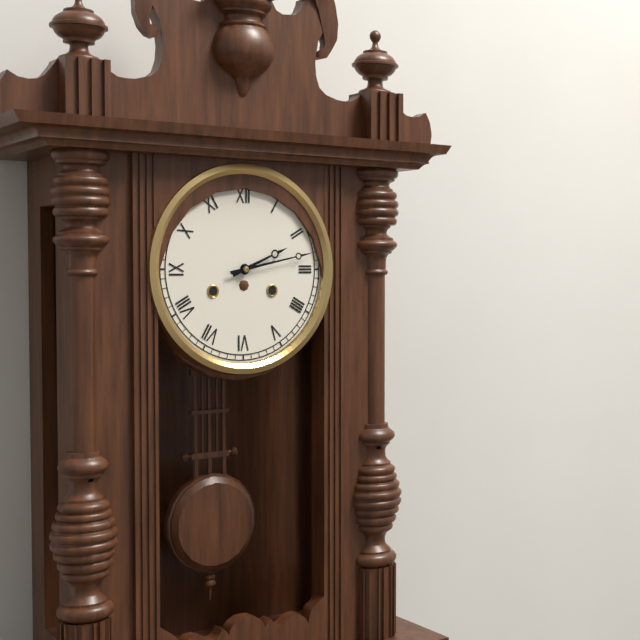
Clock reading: h=2 m=13
